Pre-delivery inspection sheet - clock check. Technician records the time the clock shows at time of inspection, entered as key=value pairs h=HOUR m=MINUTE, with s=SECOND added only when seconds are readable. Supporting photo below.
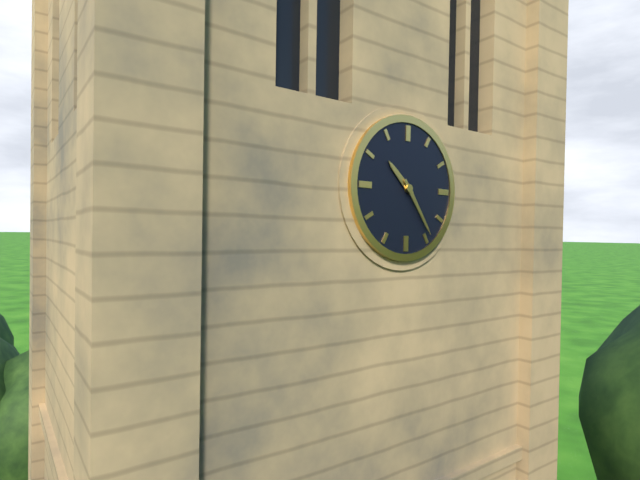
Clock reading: h=10 m=24
